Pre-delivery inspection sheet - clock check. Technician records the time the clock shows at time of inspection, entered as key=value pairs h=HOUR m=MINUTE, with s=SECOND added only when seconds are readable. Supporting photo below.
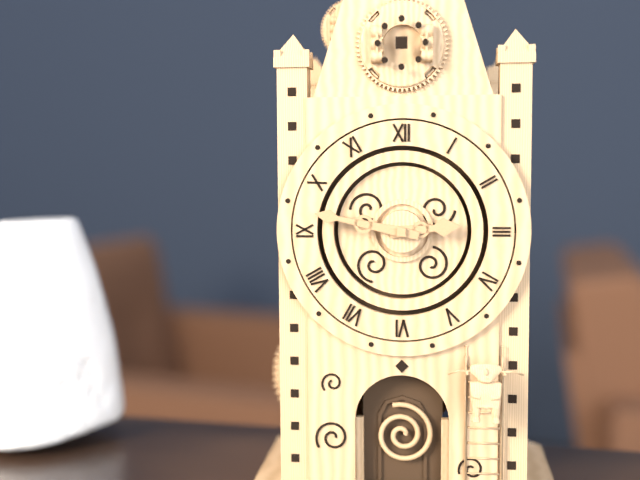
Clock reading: h=2 m=47
